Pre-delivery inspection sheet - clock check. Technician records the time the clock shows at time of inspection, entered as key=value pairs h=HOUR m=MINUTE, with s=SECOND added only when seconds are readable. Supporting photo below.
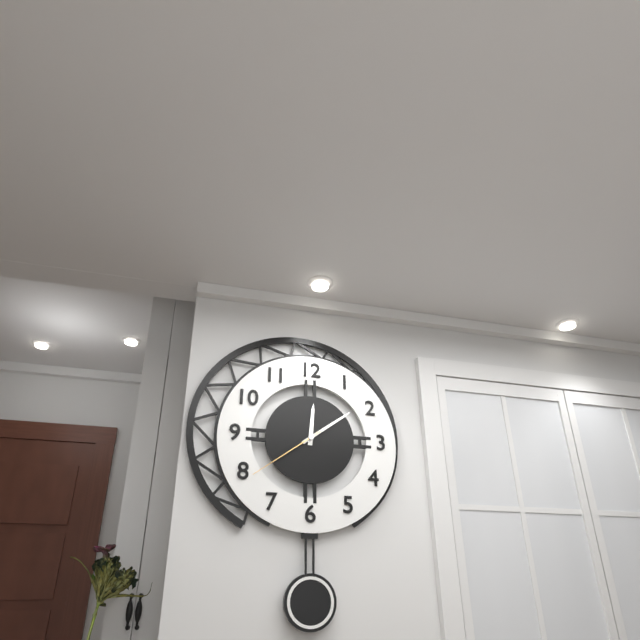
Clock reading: h=12 m=9 s=39
